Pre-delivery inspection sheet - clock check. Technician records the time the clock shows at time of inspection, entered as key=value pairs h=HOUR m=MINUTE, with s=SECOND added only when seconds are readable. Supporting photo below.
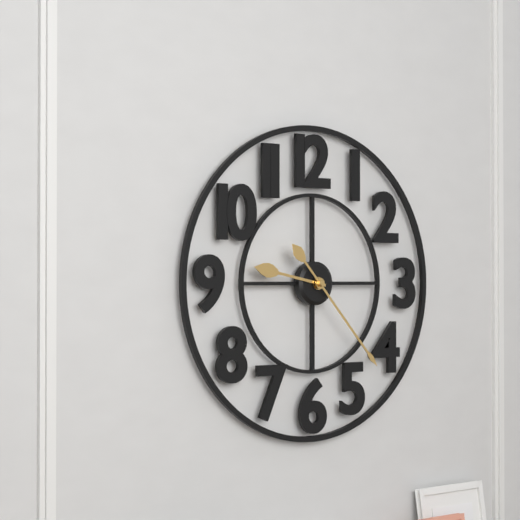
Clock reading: h=9 m=23
